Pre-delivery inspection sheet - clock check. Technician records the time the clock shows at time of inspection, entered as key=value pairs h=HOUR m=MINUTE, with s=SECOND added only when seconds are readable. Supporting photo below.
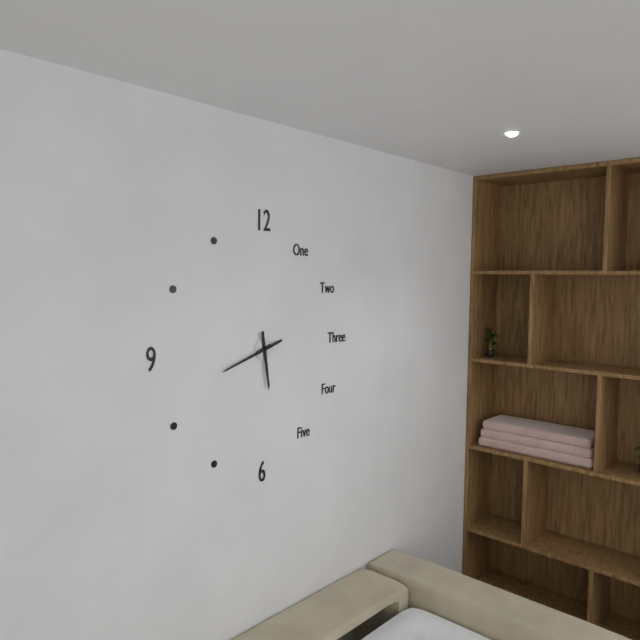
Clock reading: h=5 m=42
